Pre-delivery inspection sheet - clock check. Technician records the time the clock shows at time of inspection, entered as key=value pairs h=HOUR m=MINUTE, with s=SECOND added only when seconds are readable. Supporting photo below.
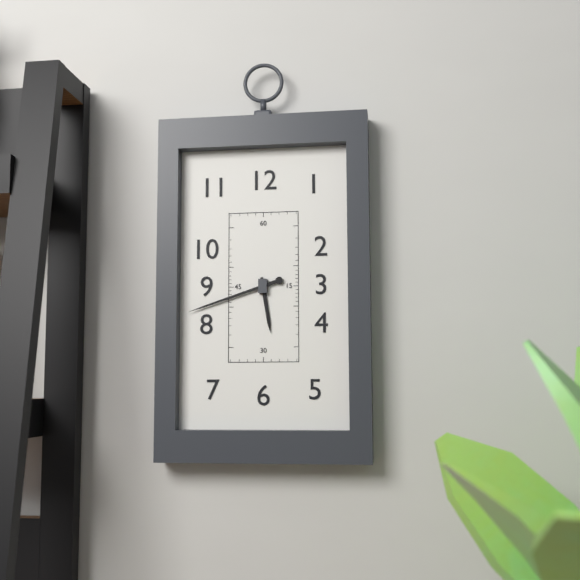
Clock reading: h=5 m=42
